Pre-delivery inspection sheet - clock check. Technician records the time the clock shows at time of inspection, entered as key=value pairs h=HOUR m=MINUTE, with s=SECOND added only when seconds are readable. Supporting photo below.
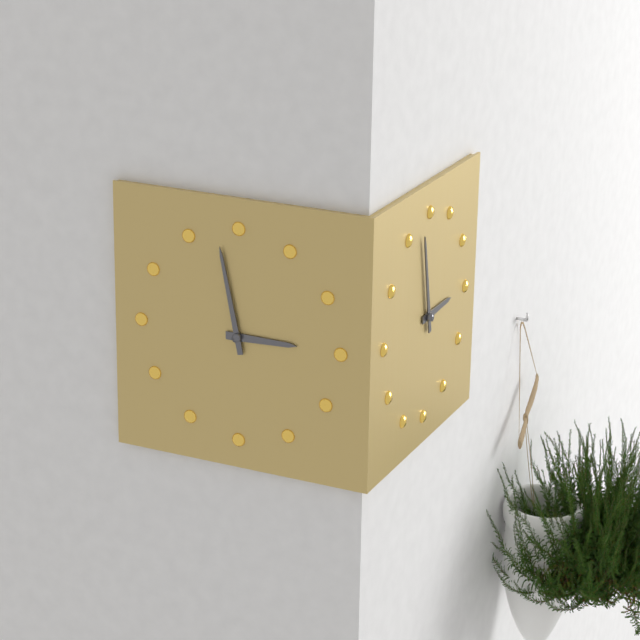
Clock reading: h=2 m=58
